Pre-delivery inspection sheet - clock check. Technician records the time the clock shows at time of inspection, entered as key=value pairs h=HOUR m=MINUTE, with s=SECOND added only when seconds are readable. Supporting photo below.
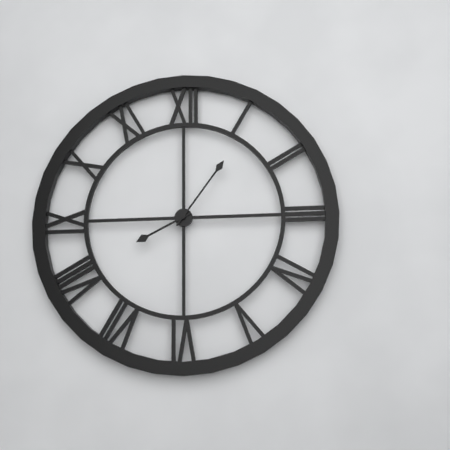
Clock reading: h=8 m=6
